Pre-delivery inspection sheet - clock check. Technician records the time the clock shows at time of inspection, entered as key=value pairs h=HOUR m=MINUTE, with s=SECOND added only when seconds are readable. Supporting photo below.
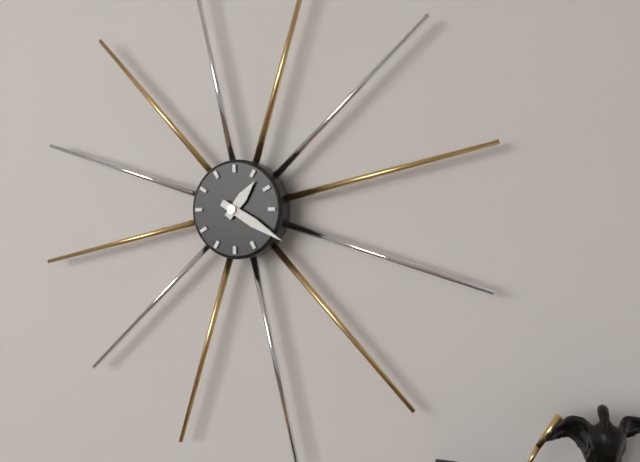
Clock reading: h=1 m=20
